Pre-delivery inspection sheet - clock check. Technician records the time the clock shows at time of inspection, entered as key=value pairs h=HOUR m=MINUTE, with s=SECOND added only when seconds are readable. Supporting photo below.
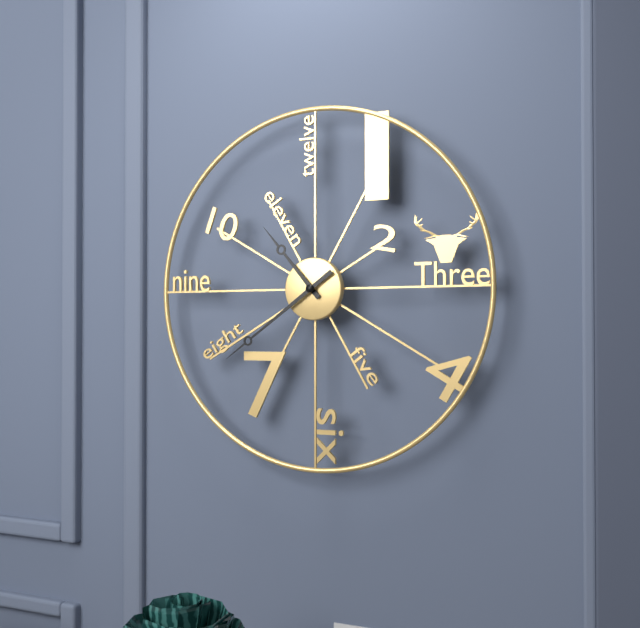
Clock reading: h=10 m=39
